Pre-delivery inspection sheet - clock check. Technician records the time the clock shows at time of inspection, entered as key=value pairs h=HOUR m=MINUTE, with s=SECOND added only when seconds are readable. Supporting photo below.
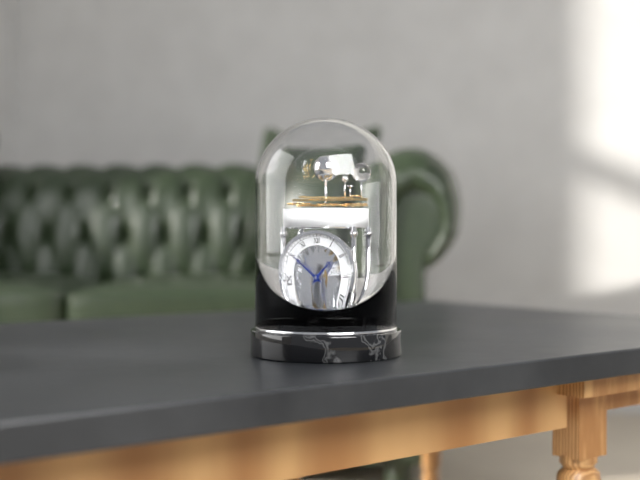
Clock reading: h=1 m=50
